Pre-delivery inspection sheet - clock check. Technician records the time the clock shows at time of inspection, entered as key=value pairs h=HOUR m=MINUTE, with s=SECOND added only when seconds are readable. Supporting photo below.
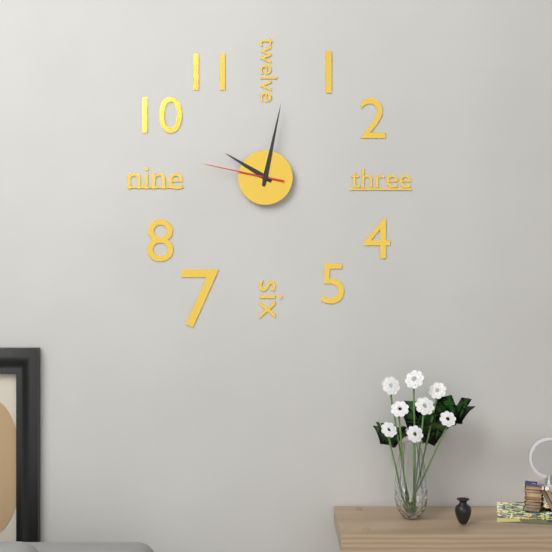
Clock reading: h=10 m=2 s=47
